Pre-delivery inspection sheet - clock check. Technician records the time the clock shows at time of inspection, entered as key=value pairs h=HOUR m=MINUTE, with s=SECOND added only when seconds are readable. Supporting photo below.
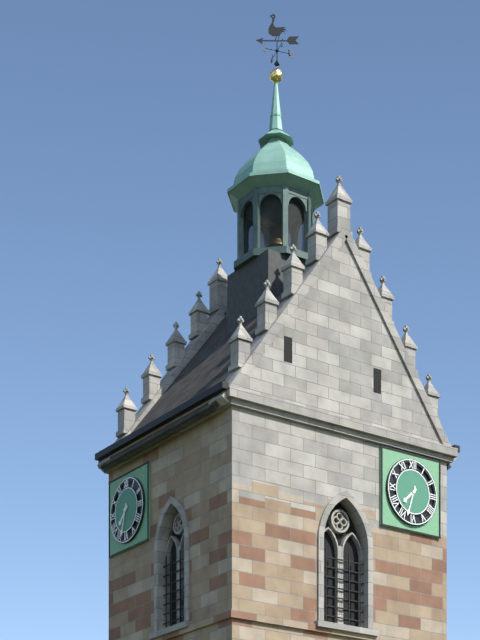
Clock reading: h=7 m=33
